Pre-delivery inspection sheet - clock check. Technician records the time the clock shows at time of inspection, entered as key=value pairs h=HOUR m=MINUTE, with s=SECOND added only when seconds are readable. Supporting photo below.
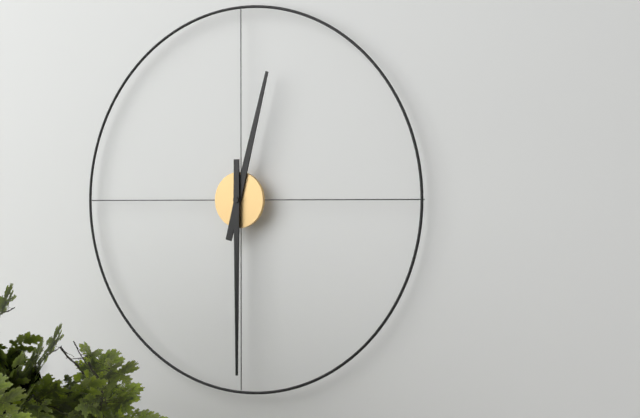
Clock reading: h=12 m=30
